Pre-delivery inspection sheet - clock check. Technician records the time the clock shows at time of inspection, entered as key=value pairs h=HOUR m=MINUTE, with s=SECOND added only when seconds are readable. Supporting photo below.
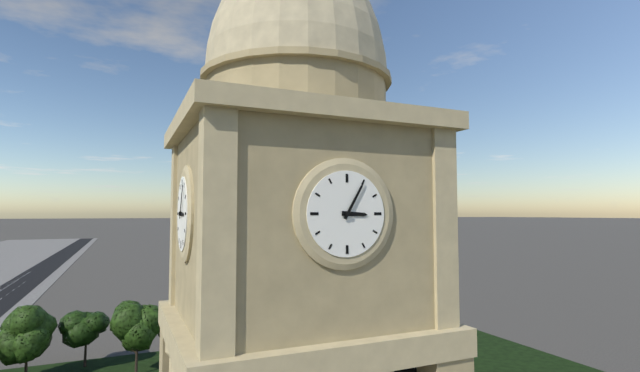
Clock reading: h=3 m=5
